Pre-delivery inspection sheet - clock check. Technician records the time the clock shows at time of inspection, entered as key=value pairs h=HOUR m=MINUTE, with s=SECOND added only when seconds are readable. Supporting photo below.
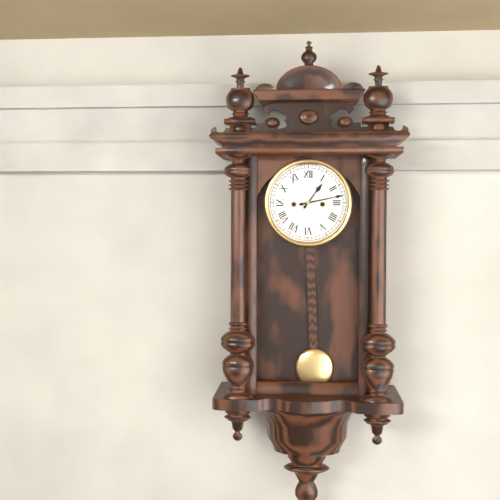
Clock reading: h=1 m=13
